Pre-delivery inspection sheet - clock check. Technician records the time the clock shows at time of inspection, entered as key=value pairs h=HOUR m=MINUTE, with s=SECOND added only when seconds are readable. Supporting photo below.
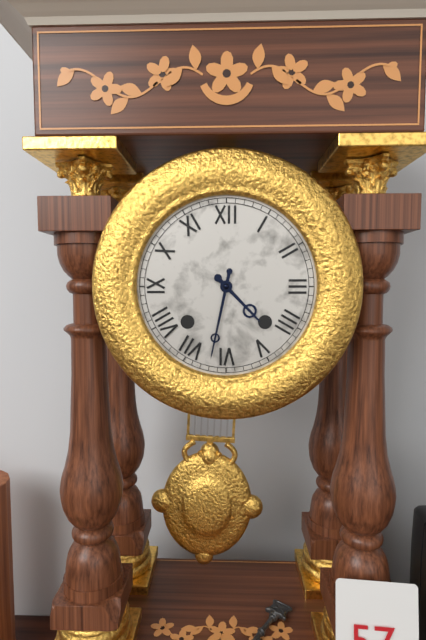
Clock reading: h=4 m=32
